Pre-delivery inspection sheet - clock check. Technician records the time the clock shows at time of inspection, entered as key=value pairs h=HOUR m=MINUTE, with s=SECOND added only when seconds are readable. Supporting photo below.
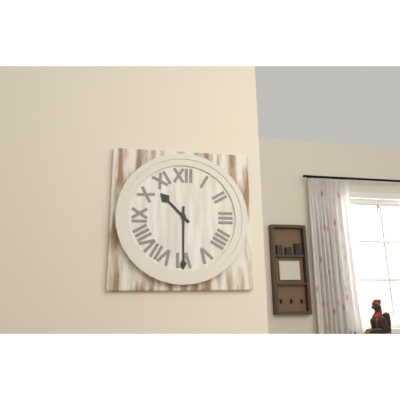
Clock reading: h=10 m=30
